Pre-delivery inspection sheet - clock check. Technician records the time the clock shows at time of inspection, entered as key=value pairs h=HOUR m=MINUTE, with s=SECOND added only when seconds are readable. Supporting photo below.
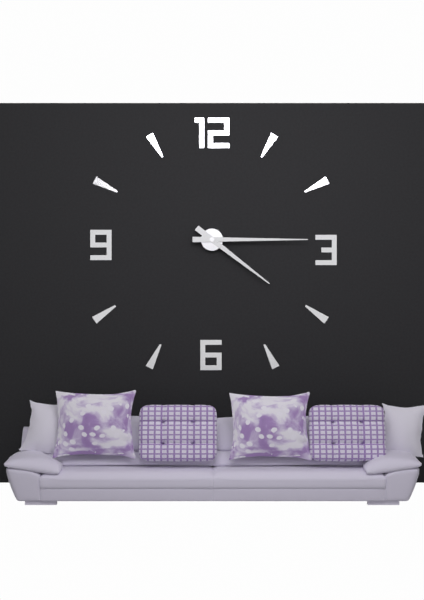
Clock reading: h=4 m=15
